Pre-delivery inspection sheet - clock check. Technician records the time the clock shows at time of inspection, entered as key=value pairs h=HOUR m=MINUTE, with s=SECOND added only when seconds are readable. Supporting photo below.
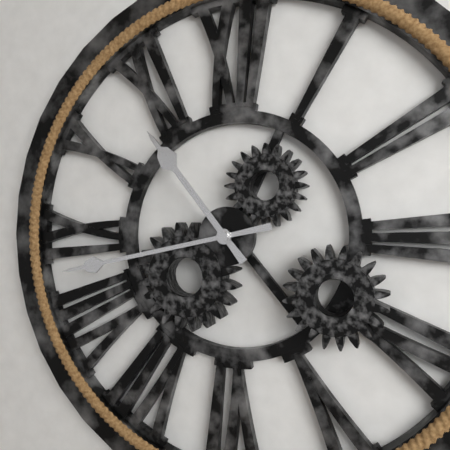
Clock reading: h=10 m=43
